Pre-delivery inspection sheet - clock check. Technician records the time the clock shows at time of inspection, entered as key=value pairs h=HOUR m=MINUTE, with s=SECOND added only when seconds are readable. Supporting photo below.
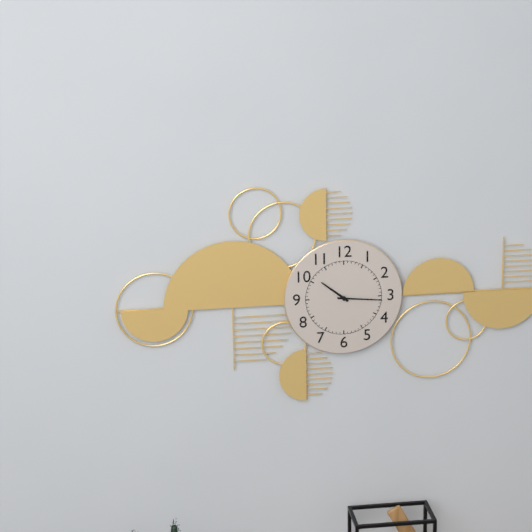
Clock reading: h=10 m=16
